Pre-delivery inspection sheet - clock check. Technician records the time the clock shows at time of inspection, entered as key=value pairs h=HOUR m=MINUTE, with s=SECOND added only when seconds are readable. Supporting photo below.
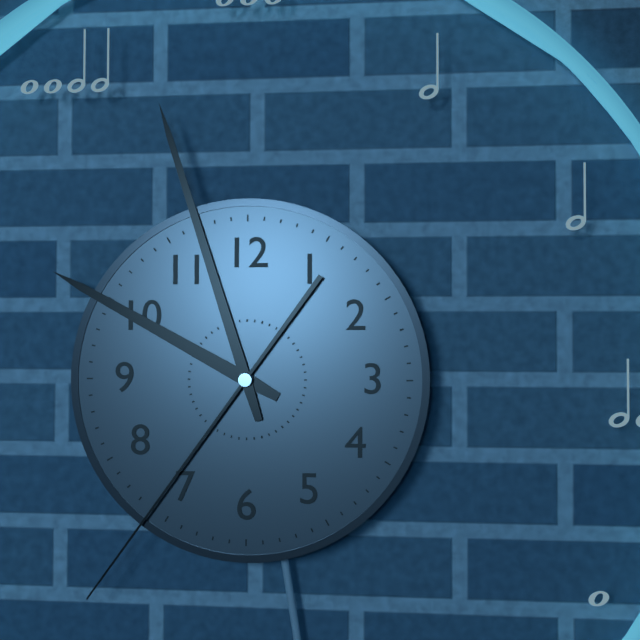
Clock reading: h=9 m=57 s=36
